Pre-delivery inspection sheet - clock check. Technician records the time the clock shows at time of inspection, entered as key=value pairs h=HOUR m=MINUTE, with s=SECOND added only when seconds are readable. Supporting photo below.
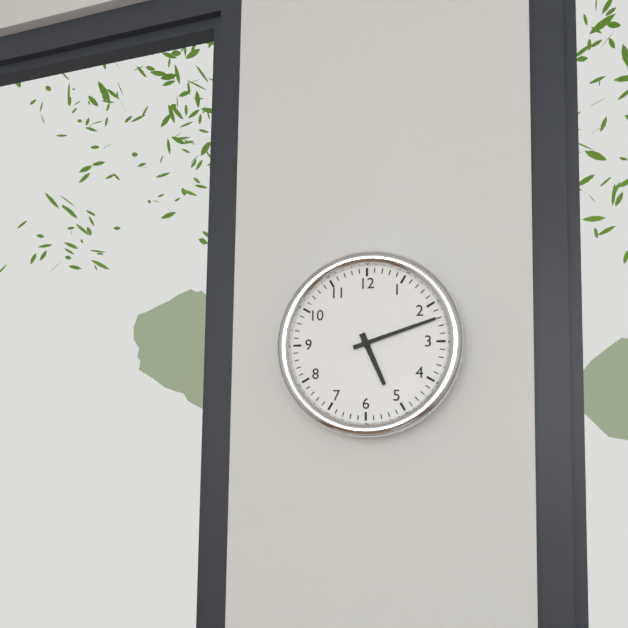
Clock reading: h=5 m=12
